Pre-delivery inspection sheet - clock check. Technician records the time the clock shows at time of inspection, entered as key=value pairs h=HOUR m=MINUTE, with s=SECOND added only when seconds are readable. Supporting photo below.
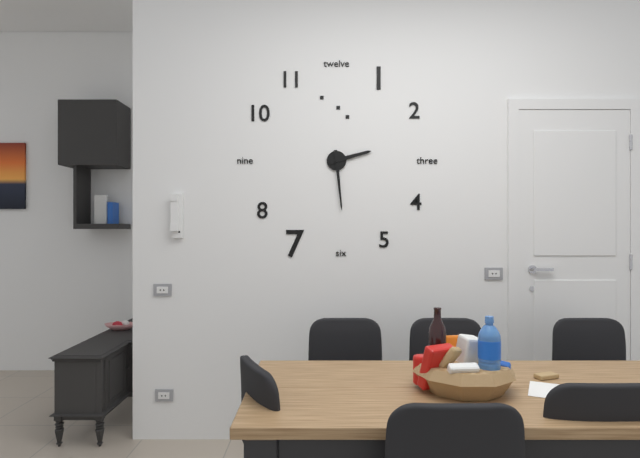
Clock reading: h=2 m=29
